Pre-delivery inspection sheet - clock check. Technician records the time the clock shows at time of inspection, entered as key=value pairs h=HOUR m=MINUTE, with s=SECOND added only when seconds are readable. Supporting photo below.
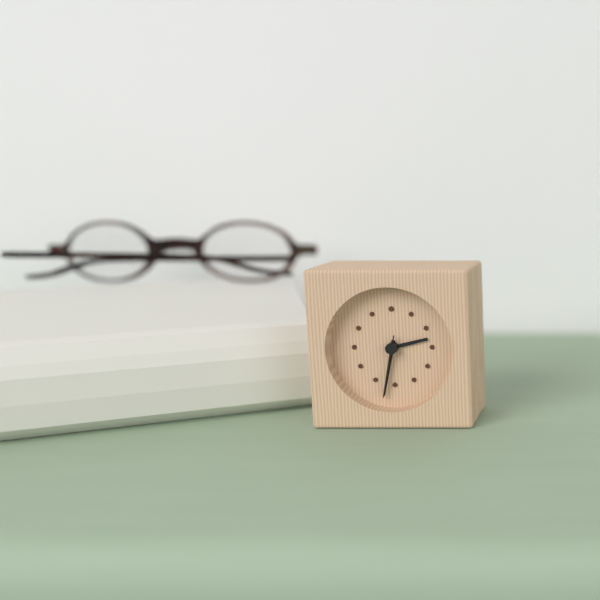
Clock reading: h=2 m=32 s=32
